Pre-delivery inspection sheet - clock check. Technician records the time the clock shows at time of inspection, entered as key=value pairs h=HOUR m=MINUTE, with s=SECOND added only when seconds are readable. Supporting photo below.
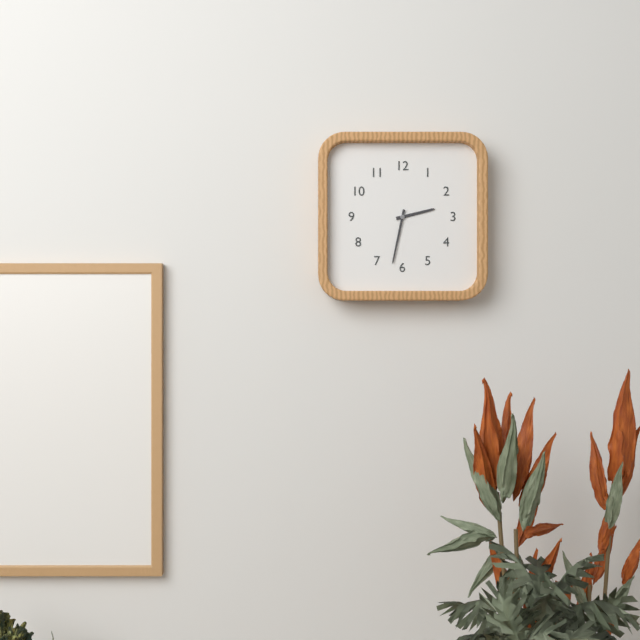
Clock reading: h=2 m=32
